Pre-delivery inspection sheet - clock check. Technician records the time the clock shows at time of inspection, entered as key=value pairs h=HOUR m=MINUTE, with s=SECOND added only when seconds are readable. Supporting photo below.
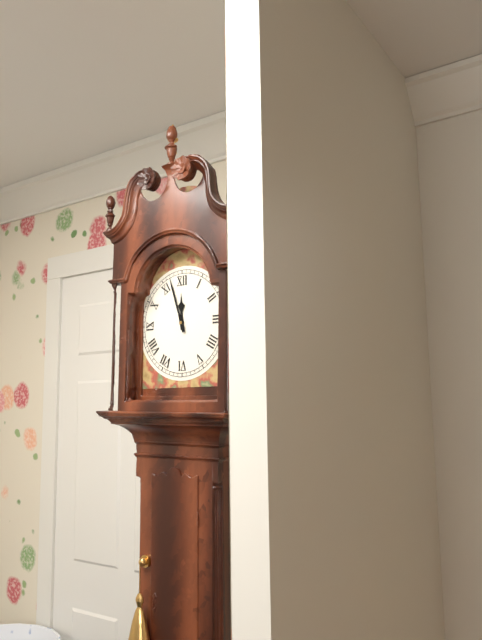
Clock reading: h=11 m=57
